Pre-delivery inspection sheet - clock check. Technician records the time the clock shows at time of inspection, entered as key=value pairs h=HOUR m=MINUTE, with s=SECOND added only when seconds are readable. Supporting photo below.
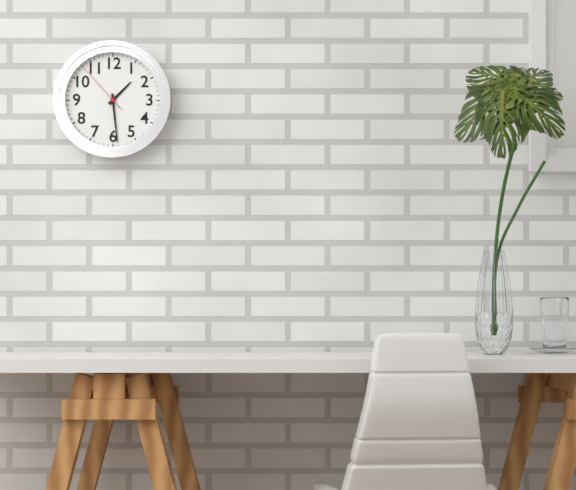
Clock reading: h=1 m=29 s=53
